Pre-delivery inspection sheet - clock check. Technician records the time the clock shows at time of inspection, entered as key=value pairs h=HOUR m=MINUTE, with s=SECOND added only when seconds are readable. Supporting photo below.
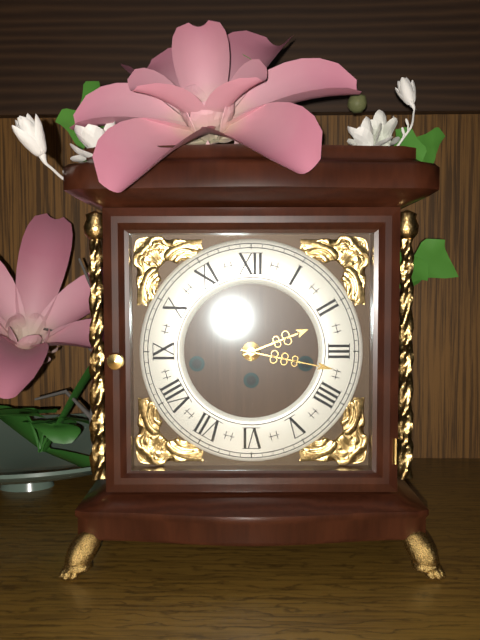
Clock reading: h=2 m=17
